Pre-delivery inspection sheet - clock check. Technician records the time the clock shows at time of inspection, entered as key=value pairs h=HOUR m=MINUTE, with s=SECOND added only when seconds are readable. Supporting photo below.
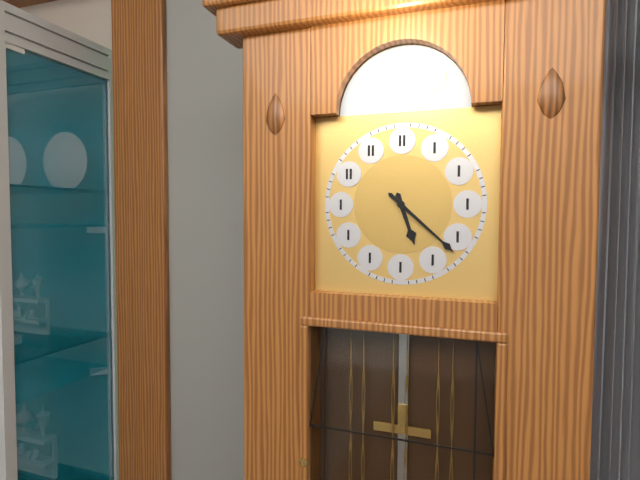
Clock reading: h=5 m=22
